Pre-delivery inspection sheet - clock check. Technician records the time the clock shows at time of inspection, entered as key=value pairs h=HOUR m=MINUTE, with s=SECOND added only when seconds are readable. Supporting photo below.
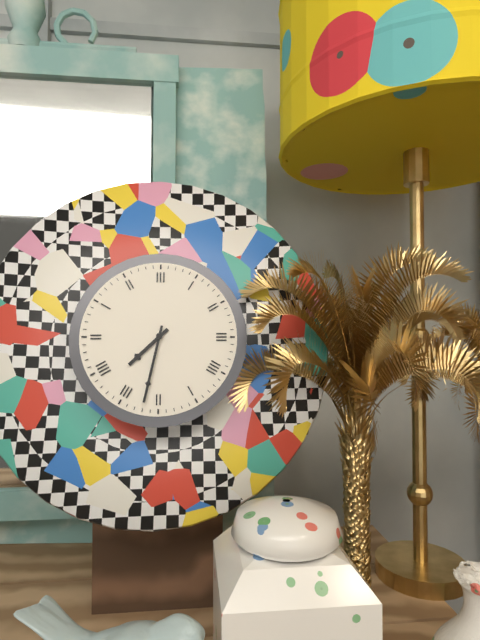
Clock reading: h=7 m=32
